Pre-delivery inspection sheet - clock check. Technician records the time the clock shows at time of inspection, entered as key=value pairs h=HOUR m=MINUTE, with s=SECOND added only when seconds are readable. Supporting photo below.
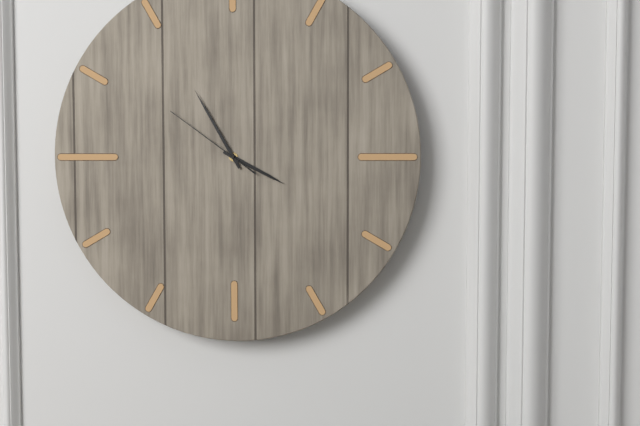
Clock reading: h=3 m=55 s=51
